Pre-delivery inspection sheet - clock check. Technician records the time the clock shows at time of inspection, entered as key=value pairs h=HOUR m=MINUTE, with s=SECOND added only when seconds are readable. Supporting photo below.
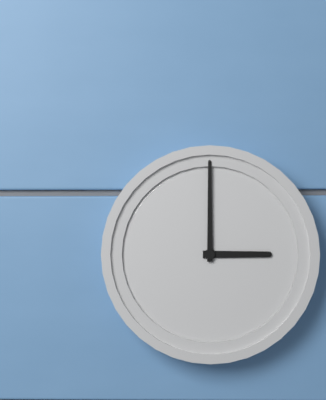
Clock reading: h=3 m=0
